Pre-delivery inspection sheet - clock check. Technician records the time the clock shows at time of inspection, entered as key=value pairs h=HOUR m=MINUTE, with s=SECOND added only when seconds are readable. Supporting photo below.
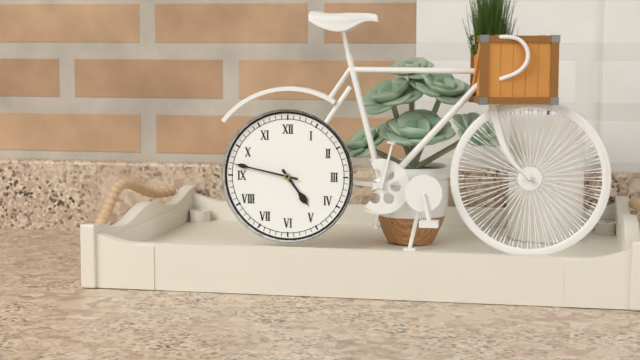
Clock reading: h=4 m=47
